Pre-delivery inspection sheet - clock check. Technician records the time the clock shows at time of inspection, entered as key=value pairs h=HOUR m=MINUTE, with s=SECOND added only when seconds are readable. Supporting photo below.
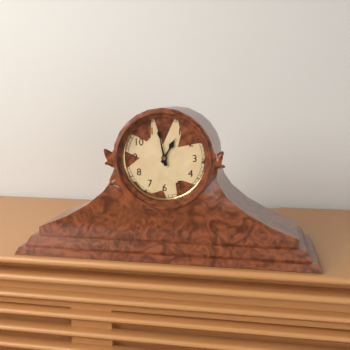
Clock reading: h=12 m=58
